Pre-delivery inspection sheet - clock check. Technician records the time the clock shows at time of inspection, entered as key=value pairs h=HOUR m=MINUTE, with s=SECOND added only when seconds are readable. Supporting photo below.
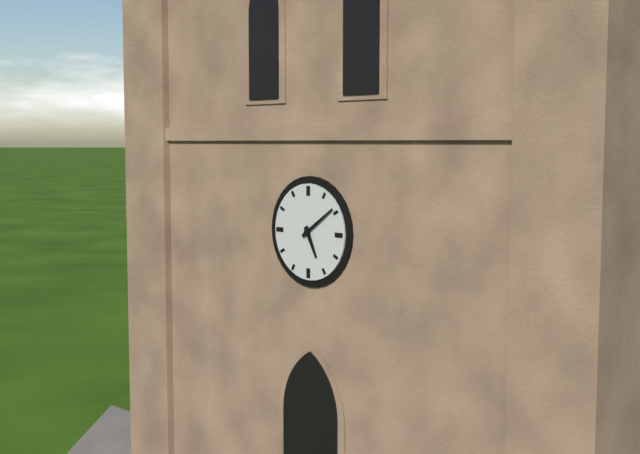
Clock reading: h=5 m=9
